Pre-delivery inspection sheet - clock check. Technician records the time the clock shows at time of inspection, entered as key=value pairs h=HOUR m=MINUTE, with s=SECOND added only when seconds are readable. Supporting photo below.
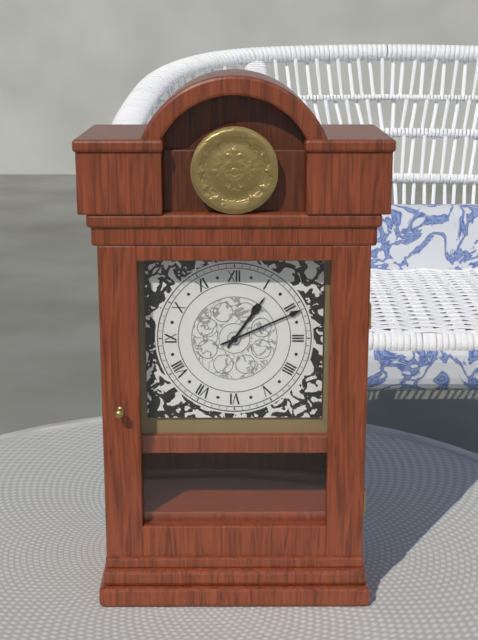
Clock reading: h=1 m=11
